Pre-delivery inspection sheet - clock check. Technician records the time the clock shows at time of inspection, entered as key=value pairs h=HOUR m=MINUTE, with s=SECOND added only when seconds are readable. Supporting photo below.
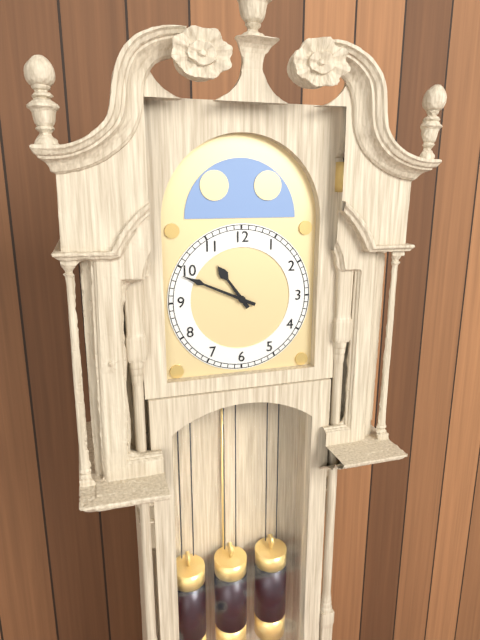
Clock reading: h=10 m=49
